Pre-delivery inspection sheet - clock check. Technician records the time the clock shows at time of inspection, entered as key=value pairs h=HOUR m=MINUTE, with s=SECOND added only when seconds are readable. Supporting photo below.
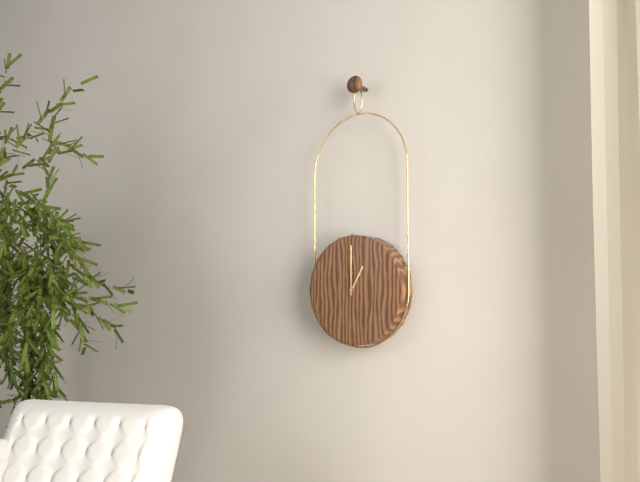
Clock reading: h=1 m=0
